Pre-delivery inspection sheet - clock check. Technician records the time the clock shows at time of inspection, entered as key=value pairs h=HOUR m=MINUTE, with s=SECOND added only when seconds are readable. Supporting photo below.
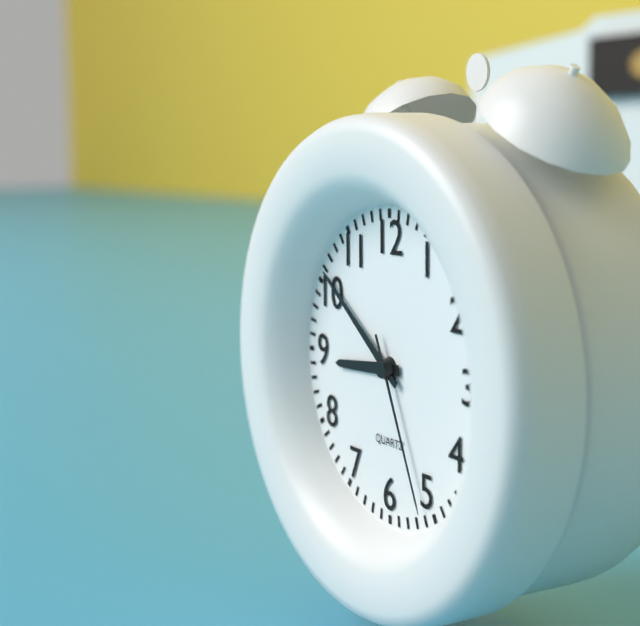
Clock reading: h=8 m=51 s=26
